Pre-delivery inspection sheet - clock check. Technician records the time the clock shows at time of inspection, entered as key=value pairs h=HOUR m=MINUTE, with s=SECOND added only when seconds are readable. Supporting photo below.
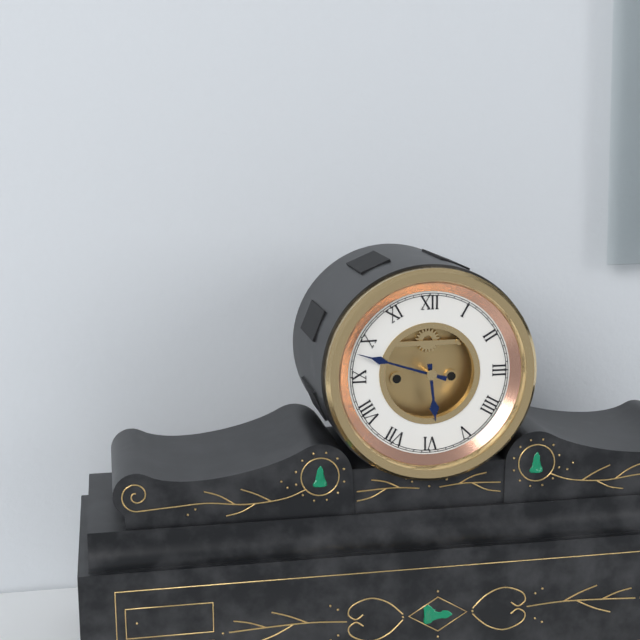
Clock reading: h=5 m=48
